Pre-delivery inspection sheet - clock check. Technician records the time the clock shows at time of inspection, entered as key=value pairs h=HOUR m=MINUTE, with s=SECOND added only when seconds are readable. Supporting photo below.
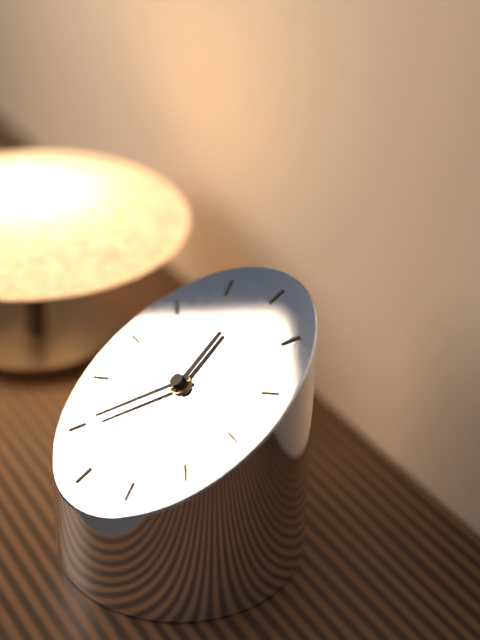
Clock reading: h=11 m=35
